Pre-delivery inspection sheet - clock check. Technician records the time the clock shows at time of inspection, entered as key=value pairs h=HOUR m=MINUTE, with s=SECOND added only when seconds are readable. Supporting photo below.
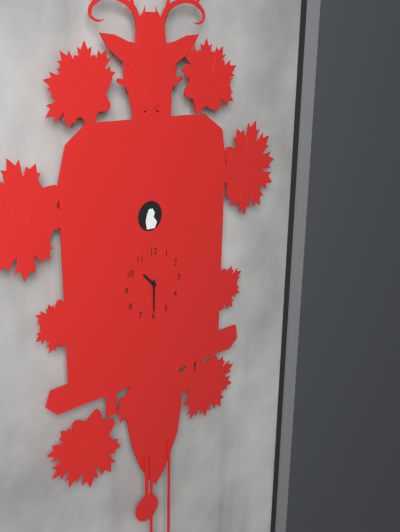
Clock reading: h=10 m=30
